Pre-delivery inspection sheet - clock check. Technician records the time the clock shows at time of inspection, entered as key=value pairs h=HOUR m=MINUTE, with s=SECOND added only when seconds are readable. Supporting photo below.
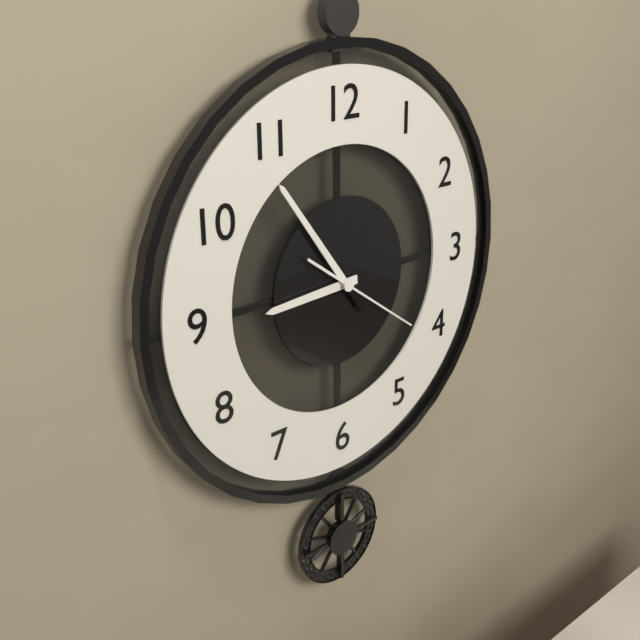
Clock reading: h=8 m=54 s=21
